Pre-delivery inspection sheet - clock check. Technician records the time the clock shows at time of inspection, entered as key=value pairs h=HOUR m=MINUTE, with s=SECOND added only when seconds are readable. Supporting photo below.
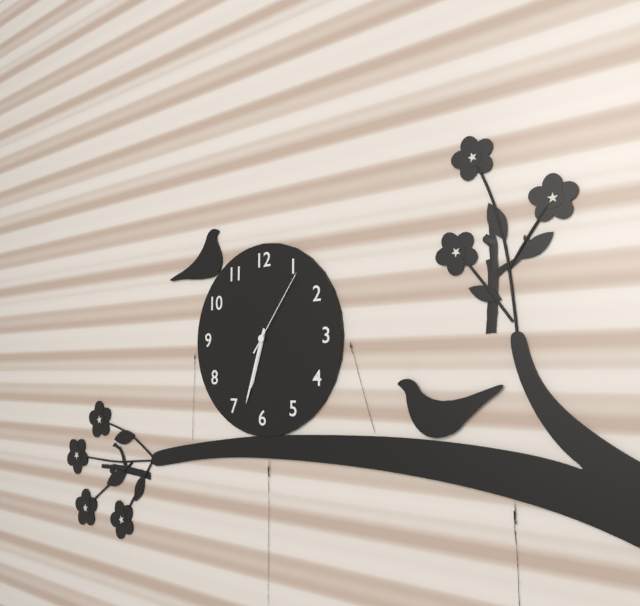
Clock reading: h=6 m=33 s=6
